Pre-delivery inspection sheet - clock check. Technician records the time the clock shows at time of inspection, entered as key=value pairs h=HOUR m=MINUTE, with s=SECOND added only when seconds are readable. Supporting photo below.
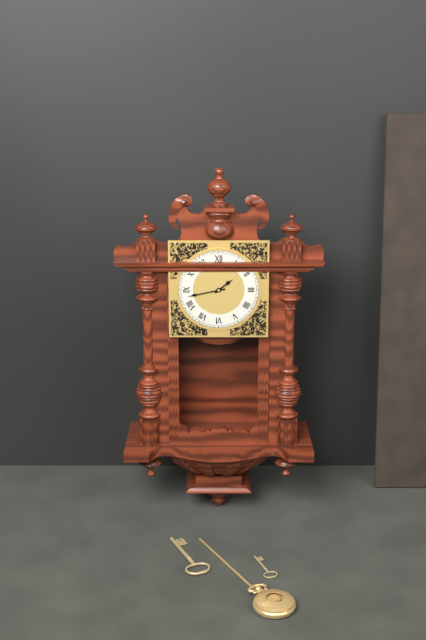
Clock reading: h=1 m=43
